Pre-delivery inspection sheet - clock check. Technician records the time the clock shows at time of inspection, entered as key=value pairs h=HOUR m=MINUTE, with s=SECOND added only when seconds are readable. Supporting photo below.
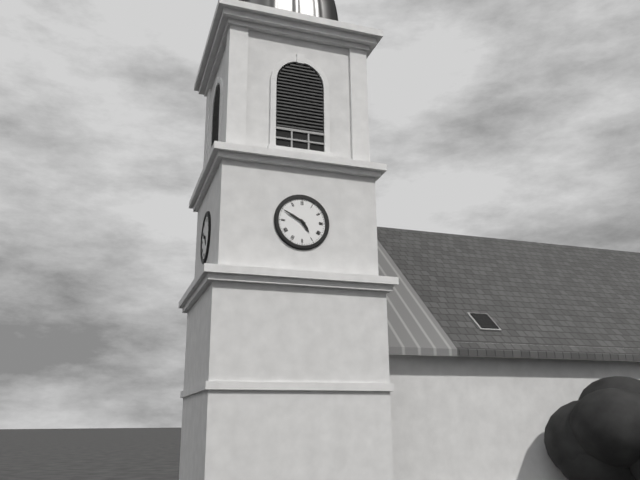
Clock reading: h=4 m=50
